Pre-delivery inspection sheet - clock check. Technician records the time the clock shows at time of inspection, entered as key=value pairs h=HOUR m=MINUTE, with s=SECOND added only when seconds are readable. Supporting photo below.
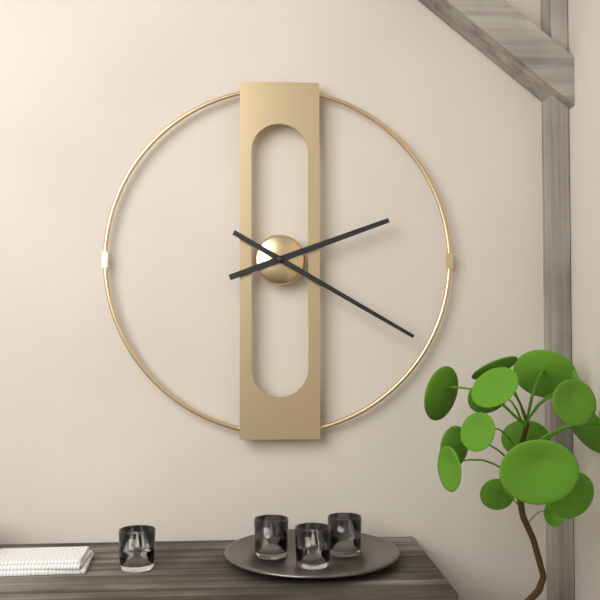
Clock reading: h=2 m=20
